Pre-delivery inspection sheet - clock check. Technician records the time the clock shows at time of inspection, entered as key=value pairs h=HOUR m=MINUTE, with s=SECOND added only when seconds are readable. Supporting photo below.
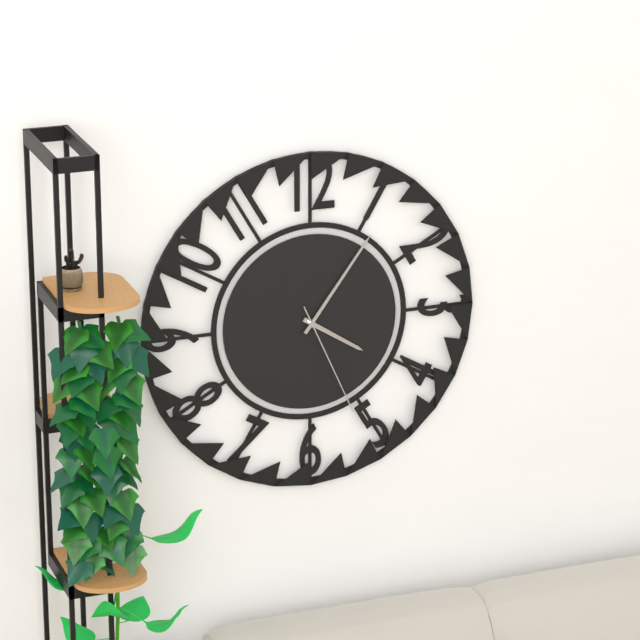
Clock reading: h=4 m=6 s=26
